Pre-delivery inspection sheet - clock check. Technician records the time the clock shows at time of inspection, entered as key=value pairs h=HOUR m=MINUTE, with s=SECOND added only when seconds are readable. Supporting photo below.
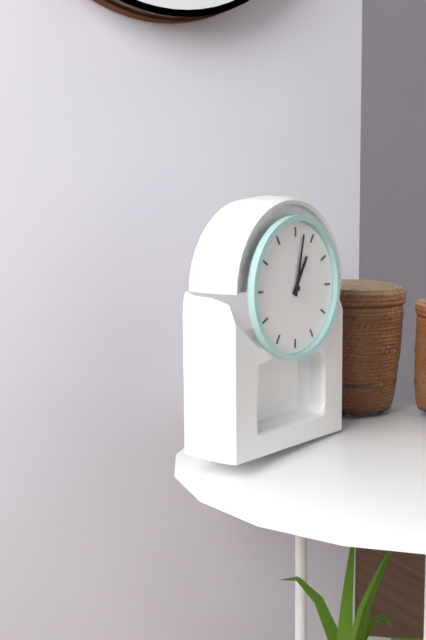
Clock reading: h=1 m=2
